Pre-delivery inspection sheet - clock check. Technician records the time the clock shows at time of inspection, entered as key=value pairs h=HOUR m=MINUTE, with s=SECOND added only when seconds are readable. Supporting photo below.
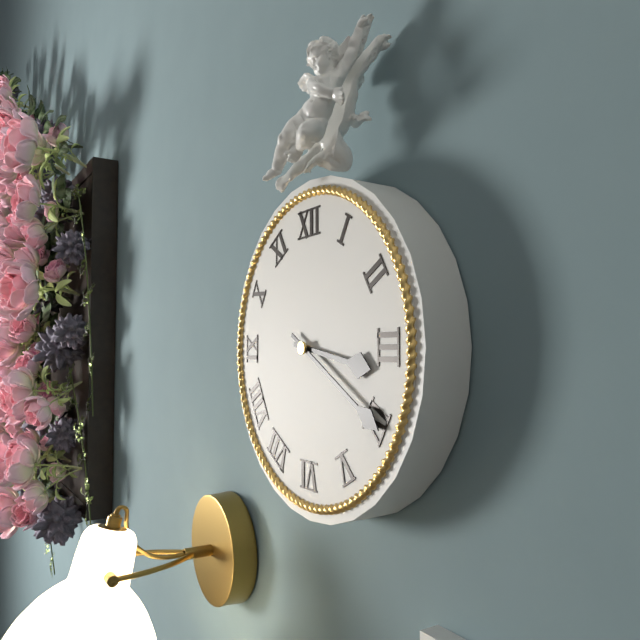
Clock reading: h=3 m=20
